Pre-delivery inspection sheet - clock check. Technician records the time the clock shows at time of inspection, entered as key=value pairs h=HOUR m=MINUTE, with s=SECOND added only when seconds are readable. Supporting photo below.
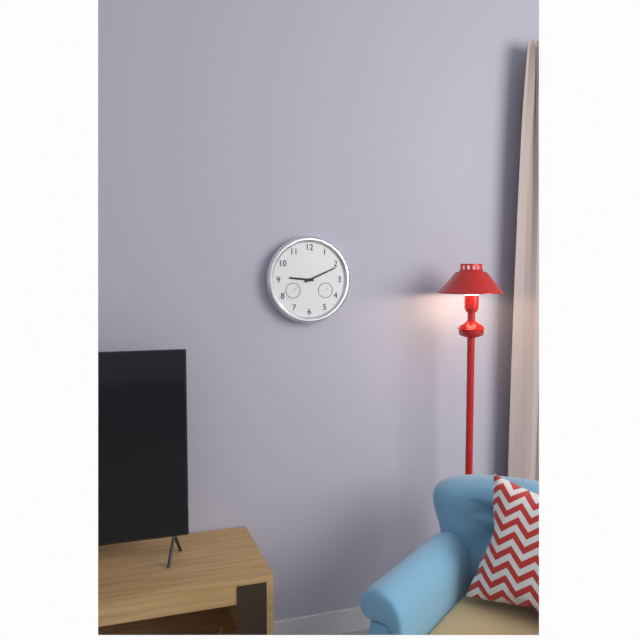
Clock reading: h=9 m=11
